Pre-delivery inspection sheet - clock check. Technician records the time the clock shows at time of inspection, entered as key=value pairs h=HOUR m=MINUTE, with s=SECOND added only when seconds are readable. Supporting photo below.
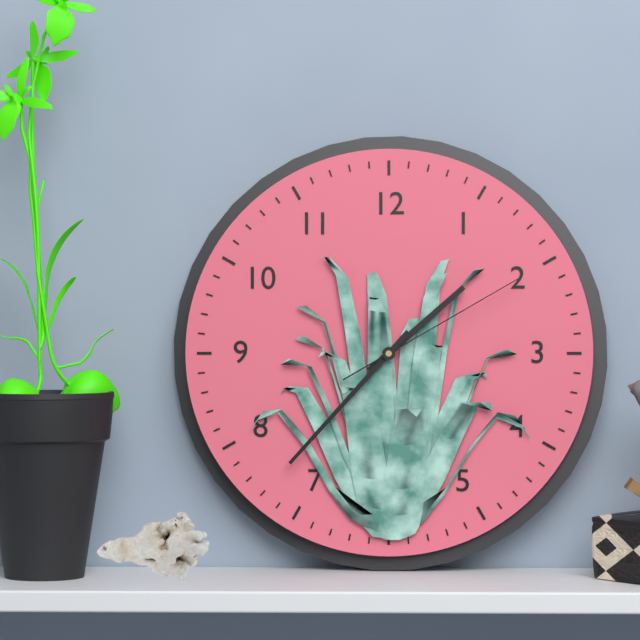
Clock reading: h=1 m=37 s=10
